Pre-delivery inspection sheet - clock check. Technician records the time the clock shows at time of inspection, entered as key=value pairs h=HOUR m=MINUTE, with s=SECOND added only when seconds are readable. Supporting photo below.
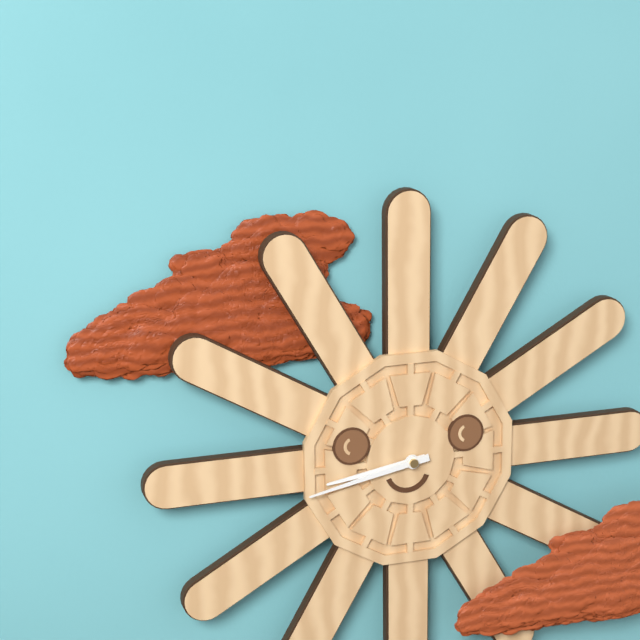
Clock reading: h=8 m=43
